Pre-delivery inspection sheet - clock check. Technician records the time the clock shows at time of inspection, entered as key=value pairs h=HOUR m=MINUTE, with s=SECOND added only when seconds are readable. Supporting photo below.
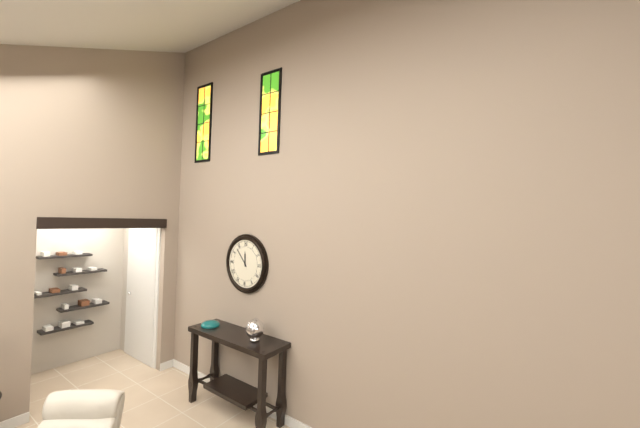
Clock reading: h=11 m=53
